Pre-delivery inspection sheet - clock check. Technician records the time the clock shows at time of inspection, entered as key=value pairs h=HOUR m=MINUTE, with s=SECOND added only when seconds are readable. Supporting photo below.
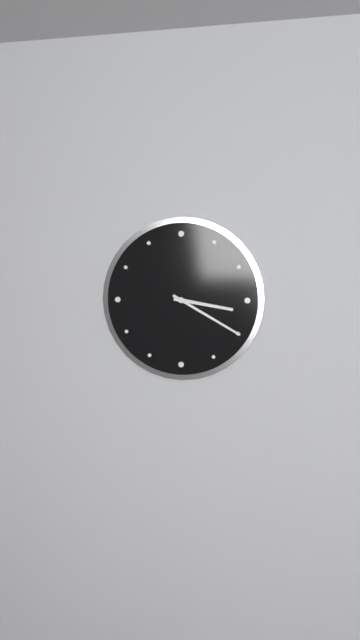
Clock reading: h=3 m=20
